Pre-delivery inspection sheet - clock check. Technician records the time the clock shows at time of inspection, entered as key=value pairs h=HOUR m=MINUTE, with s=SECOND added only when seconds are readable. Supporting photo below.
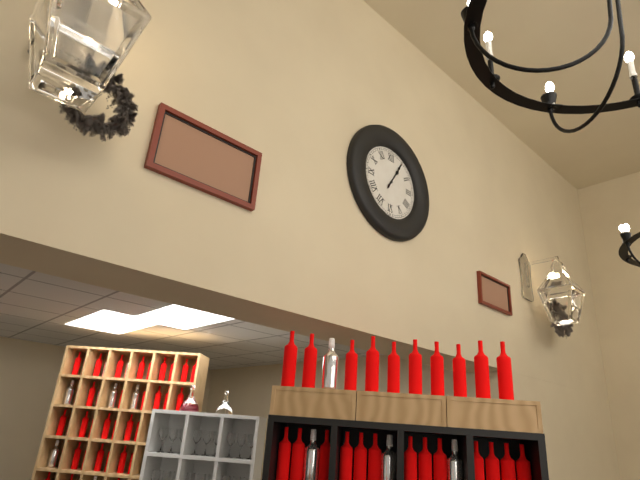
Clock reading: h=1 m=5
